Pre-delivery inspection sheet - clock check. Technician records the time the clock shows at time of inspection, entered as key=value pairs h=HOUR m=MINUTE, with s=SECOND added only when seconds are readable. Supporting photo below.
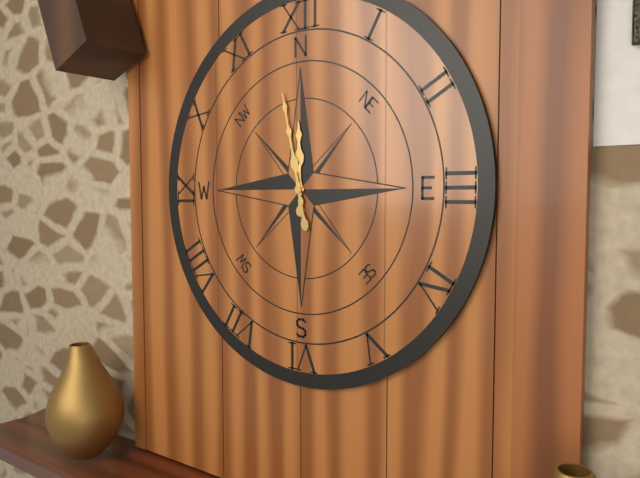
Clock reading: h=11 m=58
